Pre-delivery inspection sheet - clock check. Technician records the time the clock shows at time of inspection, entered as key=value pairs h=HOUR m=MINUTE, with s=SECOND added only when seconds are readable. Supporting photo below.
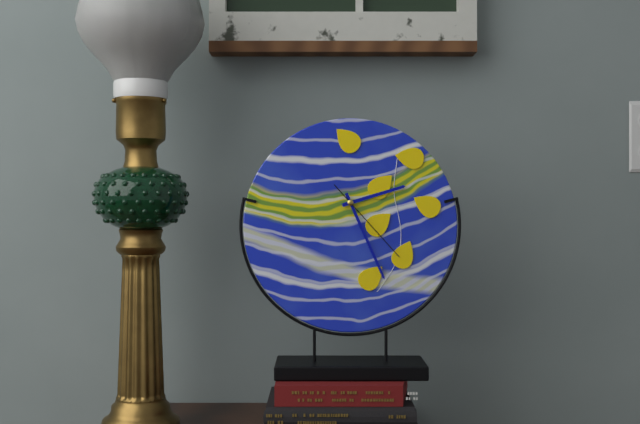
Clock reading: h=2 m=26 s=23
